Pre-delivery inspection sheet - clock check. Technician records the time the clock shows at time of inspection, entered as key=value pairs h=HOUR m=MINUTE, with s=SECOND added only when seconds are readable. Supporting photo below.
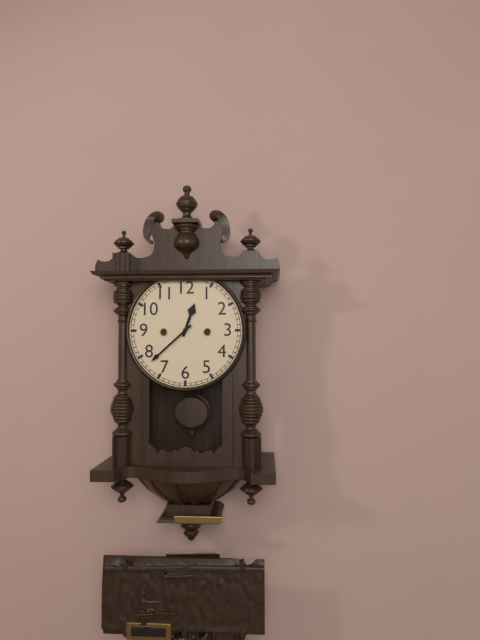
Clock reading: h=12 m=38
